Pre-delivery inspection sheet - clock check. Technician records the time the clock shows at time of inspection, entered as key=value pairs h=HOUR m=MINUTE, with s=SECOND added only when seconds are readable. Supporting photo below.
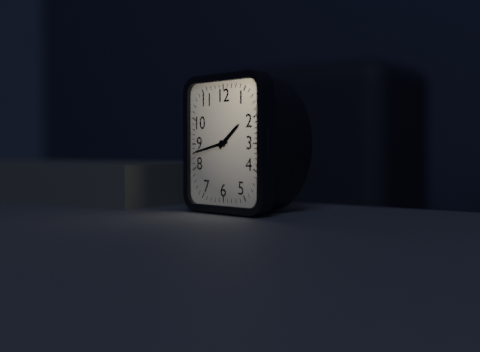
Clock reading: h=1 m=43
